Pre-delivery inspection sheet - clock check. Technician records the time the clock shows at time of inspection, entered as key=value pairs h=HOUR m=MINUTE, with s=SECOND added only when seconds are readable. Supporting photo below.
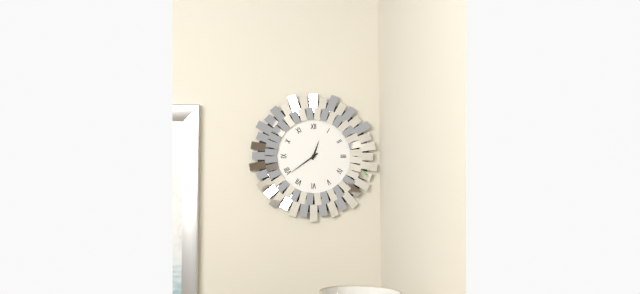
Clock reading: h=12 m=39
